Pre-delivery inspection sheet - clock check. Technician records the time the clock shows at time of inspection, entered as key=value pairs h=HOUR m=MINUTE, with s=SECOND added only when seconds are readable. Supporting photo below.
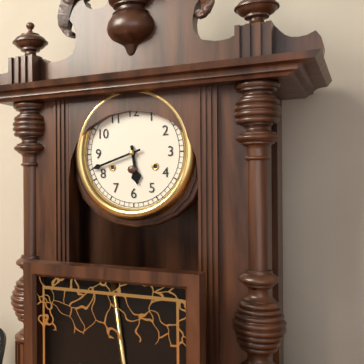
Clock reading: h=5 m=42
